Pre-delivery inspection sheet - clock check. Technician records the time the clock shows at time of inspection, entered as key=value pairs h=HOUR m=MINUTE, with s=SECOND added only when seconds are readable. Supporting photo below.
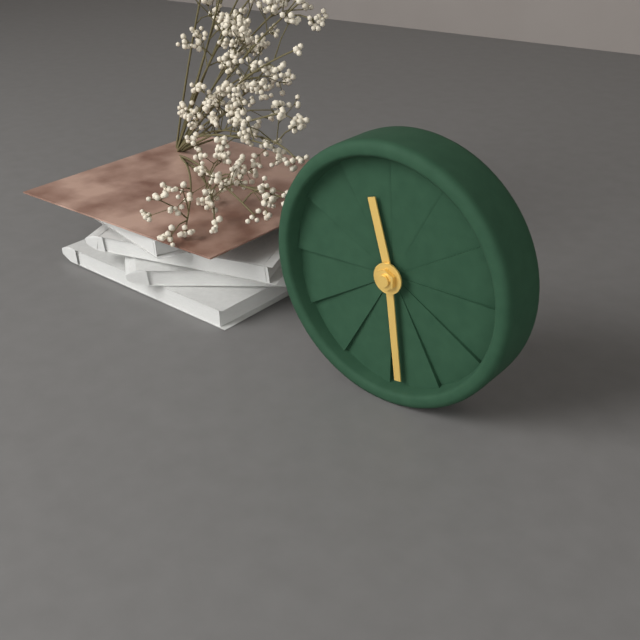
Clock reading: h=11 m=29
